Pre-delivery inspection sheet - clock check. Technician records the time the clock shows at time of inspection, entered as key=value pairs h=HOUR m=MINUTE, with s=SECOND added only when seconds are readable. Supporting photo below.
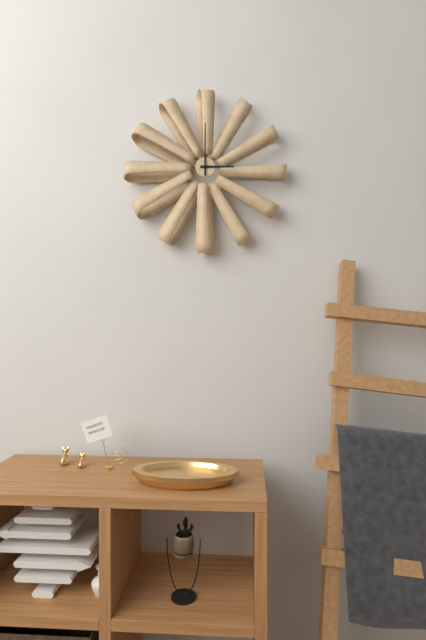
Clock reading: h=3 m=0
